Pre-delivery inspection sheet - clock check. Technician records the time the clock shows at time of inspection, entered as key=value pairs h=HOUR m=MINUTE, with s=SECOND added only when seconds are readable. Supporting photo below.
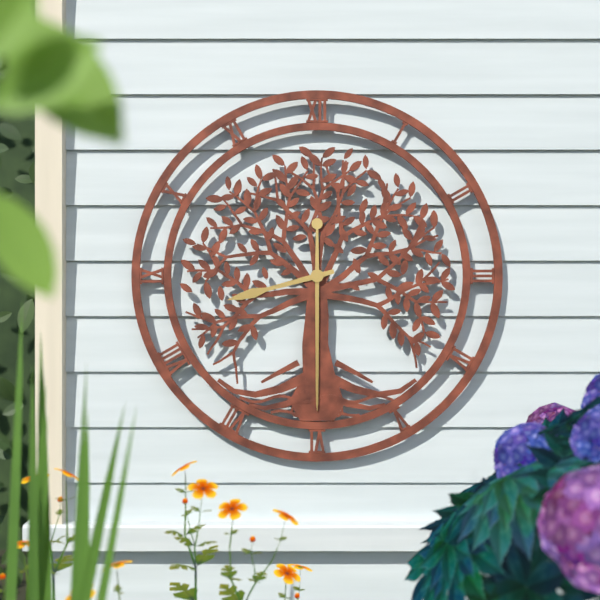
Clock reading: h=8 m=30
